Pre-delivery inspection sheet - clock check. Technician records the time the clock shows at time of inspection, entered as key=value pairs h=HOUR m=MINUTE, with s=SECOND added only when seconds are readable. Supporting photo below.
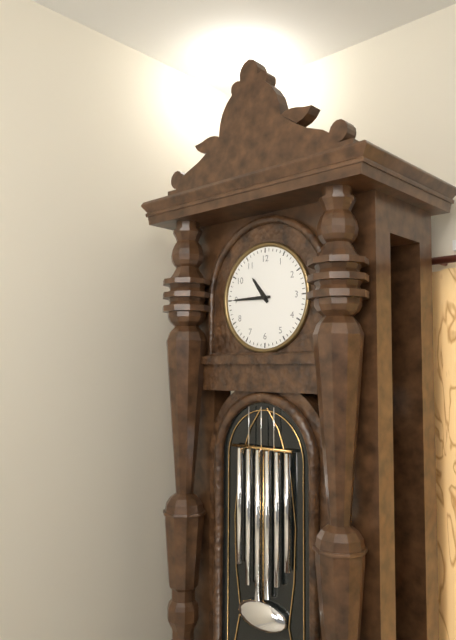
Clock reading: h=10 m=45
